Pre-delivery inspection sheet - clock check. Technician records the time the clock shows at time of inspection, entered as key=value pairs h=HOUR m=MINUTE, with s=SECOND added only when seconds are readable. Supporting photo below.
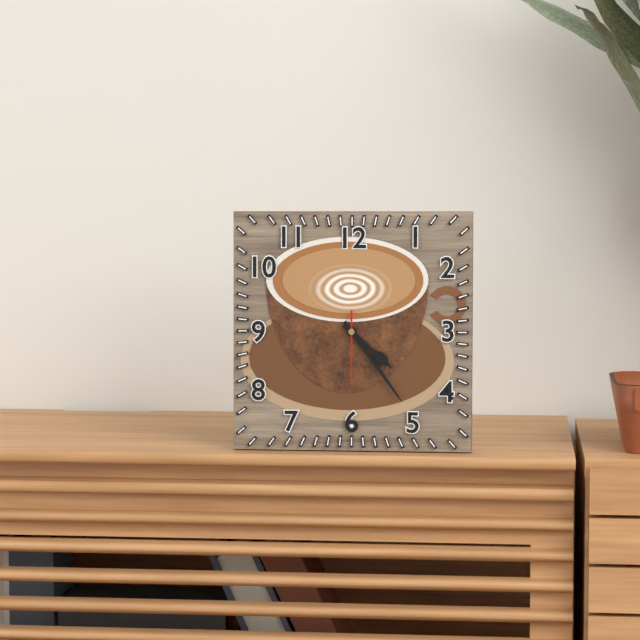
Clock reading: h=4 m=24 s=30
